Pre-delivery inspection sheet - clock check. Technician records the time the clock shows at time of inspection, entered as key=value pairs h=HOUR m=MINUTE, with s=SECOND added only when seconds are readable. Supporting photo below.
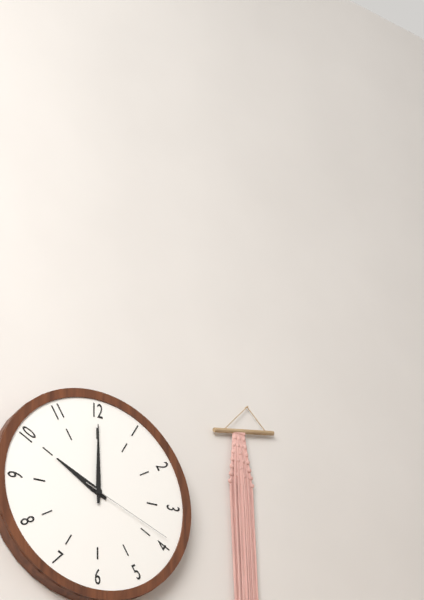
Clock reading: h=10 m=0 s=19
